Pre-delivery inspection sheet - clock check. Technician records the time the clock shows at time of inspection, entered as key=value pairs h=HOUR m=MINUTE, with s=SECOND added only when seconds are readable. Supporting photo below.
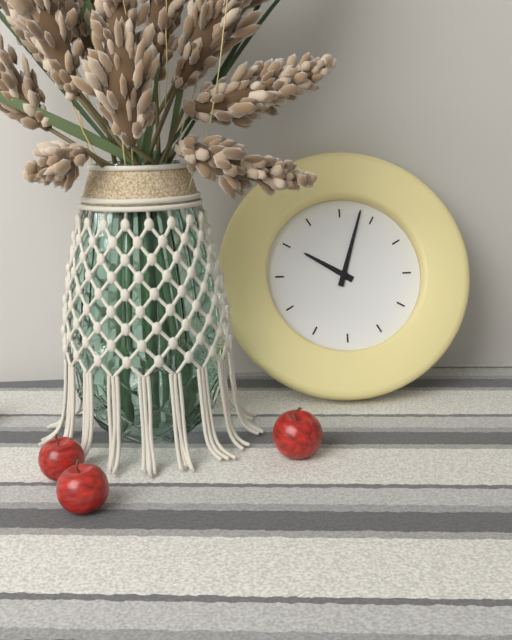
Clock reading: h=10 m=3
